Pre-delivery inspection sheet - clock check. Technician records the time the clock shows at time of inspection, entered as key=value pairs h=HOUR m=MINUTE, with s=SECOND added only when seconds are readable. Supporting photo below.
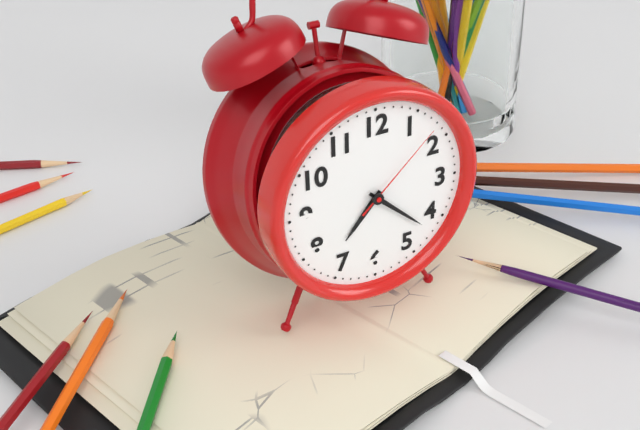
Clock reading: h=7 m=22 s=8
